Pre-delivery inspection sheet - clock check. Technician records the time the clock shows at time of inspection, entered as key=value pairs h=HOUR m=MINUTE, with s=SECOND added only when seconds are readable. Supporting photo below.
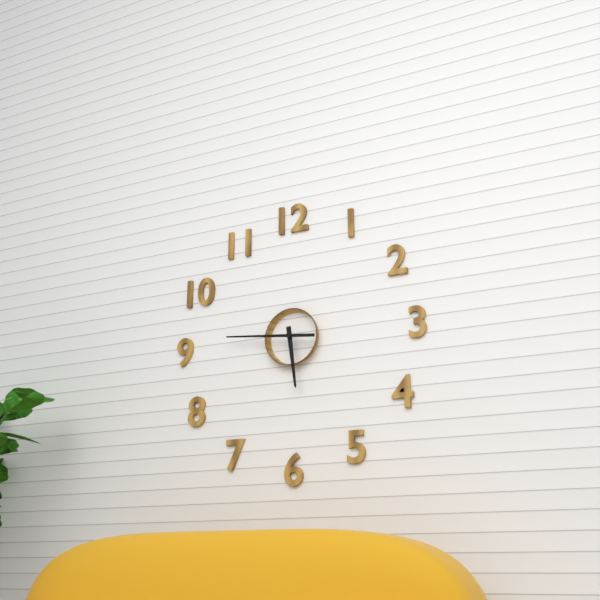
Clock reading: h=5 m=46
